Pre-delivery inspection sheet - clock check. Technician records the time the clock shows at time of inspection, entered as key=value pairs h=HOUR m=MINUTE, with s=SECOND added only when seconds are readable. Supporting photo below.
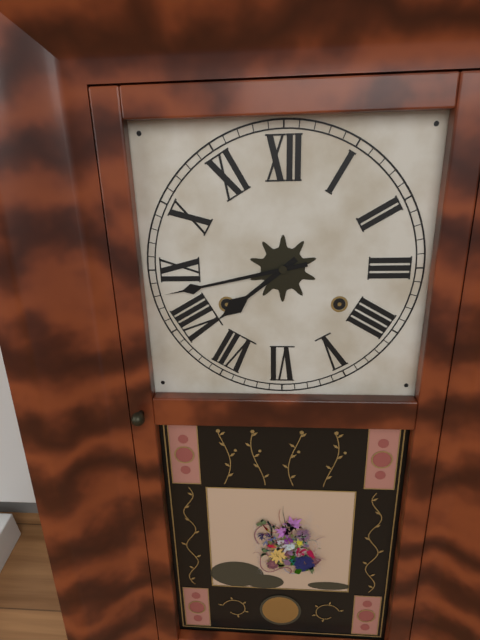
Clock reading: h=7 m=43
